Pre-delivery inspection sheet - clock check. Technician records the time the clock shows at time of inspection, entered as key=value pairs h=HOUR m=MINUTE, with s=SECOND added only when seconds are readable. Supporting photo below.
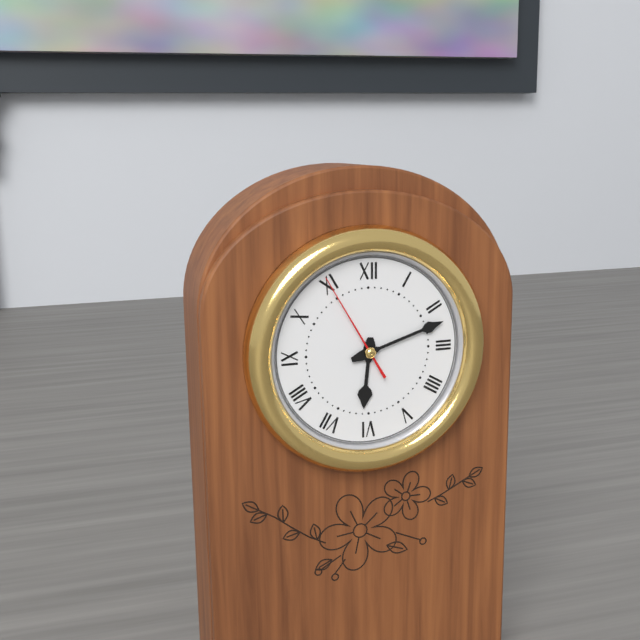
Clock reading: h=6 m=12 s=55
